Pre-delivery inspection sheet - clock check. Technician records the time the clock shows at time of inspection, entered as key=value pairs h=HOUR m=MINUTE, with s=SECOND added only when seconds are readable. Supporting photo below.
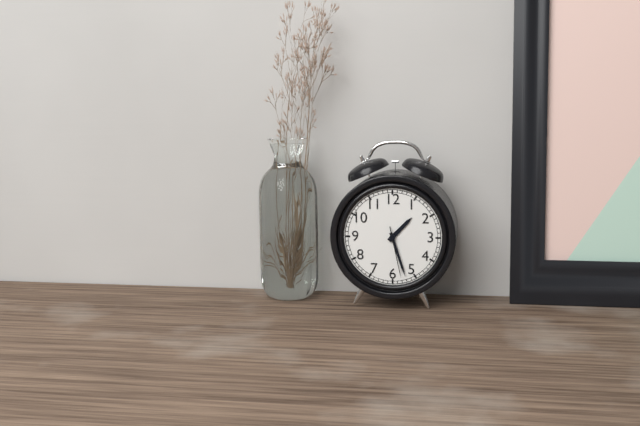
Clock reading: h=1 m=27 s=28
